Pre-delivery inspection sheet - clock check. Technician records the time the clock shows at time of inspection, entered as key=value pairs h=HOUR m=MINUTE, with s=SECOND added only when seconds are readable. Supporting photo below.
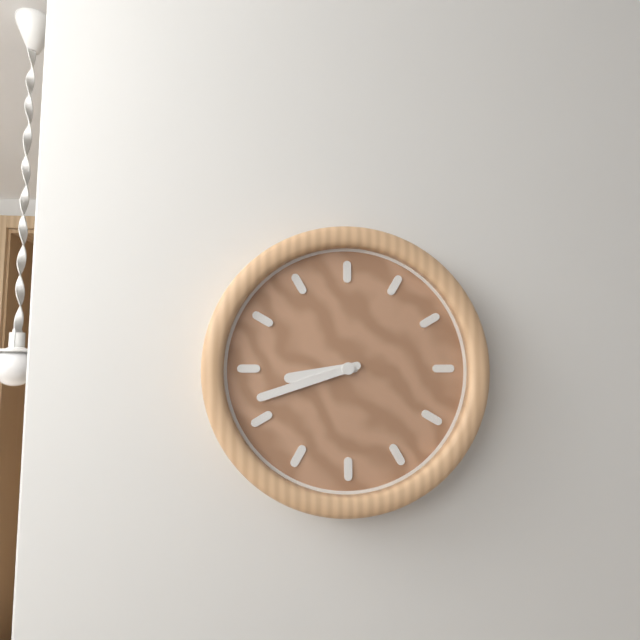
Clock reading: h=8 m=42
